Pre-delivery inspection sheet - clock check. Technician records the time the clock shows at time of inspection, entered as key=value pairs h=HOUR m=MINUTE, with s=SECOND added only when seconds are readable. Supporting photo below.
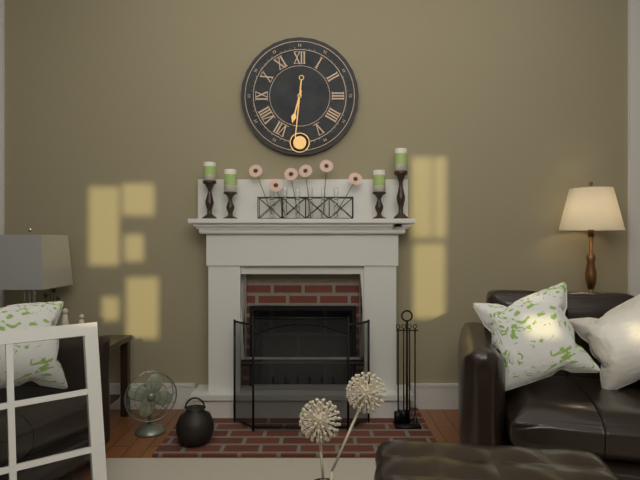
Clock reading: h=6 m=31
